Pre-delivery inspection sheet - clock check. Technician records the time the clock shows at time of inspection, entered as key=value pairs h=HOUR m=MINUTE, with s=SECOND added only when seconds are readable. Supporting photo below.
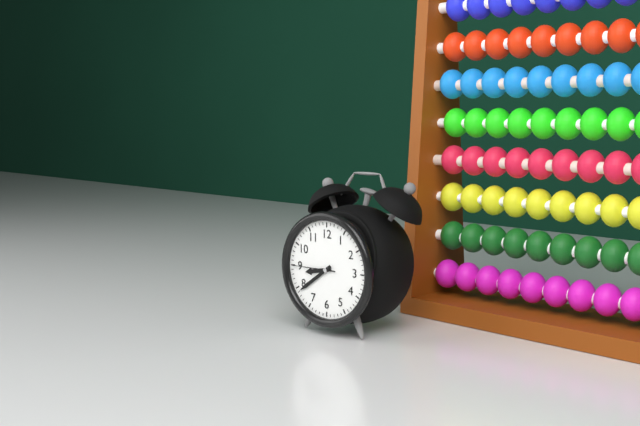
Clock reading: h=8 m=39
